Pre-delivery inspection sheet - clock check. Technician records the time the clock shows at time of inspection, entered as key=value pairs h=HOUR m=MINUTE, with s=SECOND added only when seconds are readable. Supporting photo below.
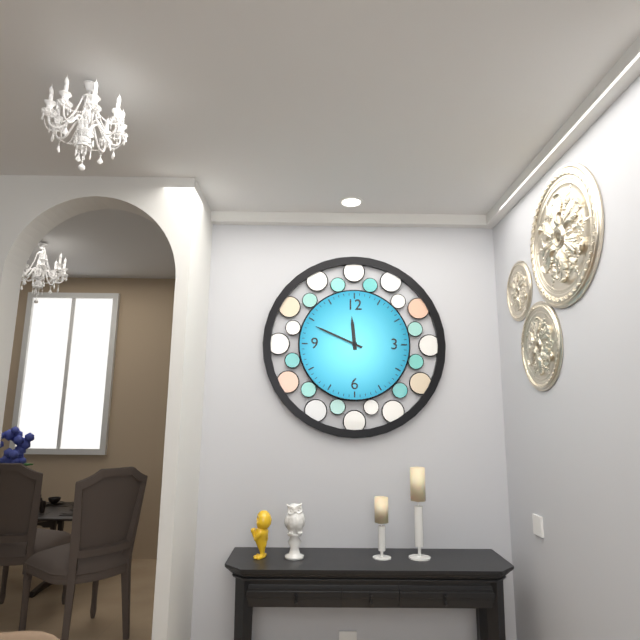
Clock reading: h=11 m=49
